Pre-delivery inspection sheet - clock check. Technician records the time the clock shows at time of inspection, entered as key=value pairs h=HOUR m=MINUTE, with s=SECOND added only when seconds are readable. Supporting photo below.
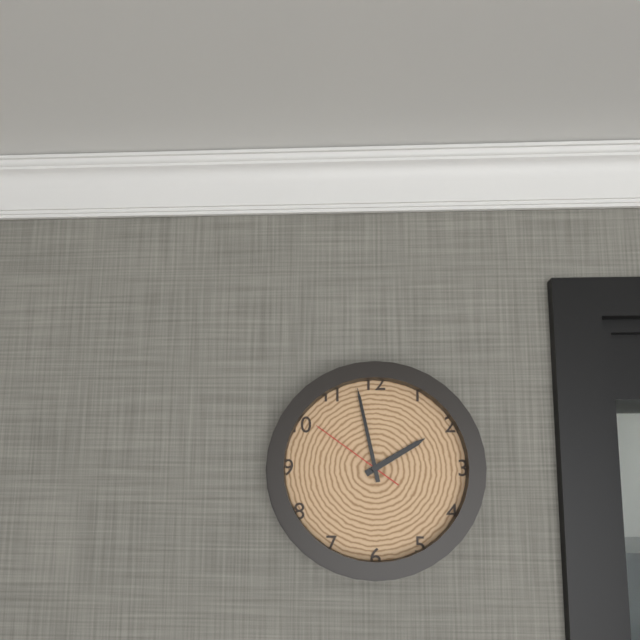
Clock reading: h=1 m=58 s=51
